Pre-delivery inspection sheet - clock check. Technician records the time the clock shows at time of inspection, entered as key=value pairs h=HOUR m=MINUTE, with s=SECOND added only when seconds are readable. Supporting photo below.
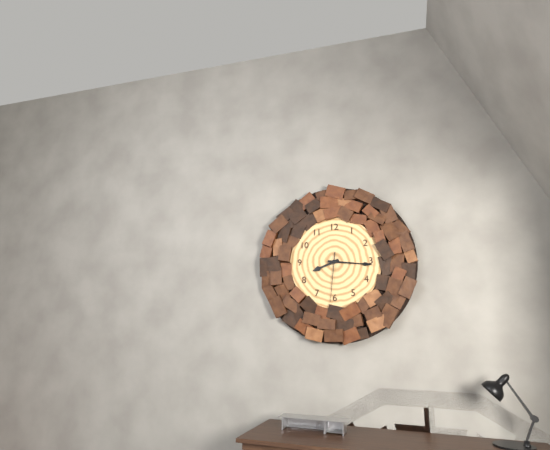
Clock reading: h=8 m=16 s=31
